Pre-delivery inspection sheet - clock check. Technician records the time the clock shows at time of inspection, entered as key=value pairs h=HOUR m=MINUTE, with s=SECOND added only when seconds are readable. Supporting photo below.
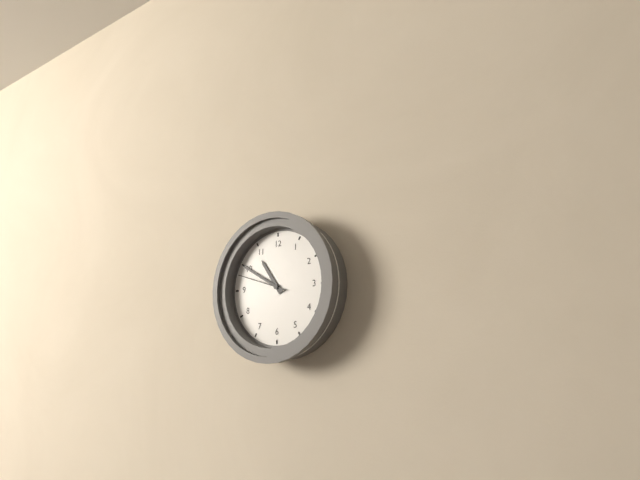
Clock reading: h=10 m=50 s=48
